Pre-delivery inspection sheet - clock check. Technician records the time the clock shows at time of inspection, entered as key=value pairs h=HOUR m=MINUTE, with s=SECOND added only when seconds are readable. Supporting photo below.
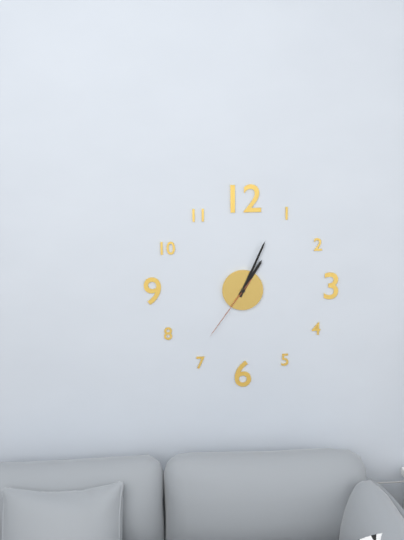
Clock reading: h=1 m=4 s=36
